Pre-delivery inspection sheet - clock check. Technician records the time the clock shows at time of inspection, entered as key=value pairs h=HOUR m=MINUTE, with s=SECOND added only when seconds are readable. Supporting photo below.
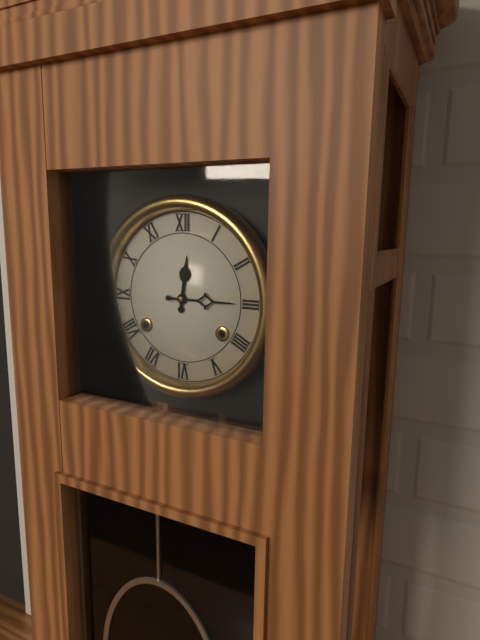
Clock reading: h=12 m=15
